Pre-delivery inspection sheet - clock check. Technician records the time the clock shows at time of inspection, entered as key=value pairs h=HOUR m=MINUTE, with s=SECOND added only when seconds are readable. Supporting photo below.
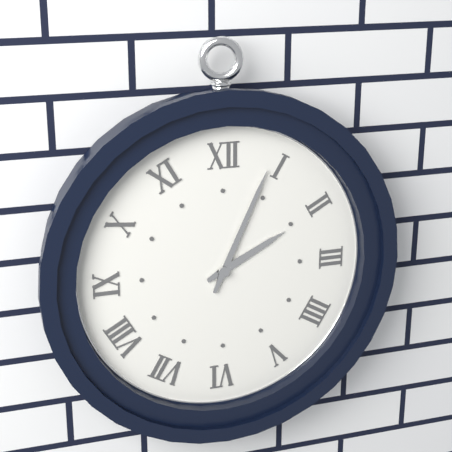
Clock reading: h=2 m=4
